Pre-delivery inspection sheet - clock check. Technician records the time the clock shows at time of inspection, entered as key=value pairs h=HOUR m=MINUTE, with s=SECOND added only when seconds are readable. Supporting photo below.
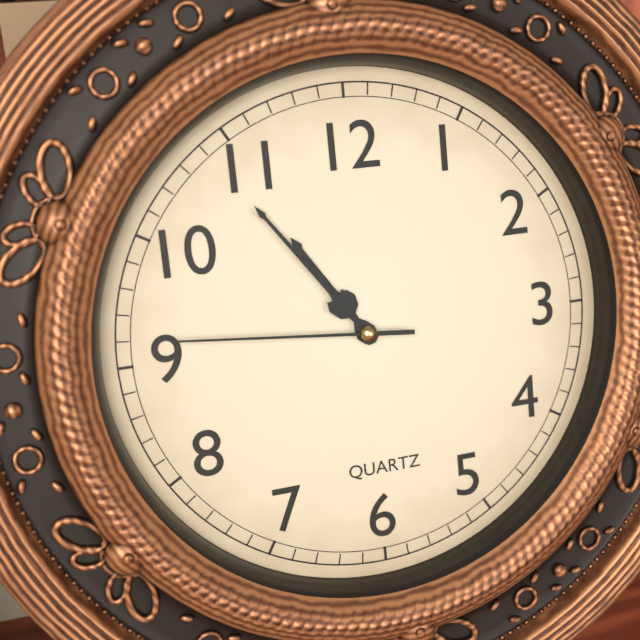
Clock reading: h=10 m=54 s=46
